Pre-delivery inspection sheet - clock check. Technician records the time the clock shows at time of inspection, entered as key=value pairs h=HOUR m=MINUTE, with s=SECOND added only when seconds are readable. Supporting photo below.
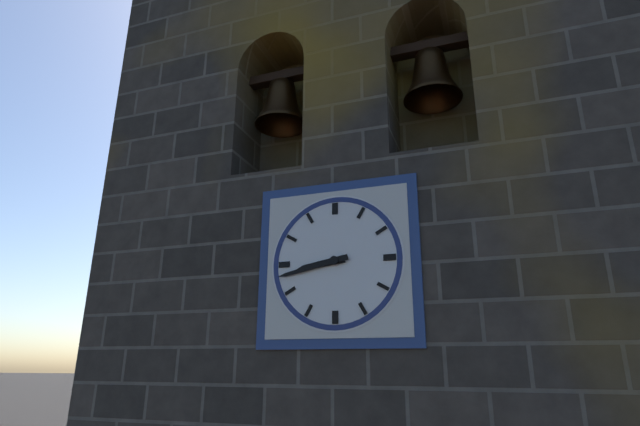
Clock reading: h=8 m=43
